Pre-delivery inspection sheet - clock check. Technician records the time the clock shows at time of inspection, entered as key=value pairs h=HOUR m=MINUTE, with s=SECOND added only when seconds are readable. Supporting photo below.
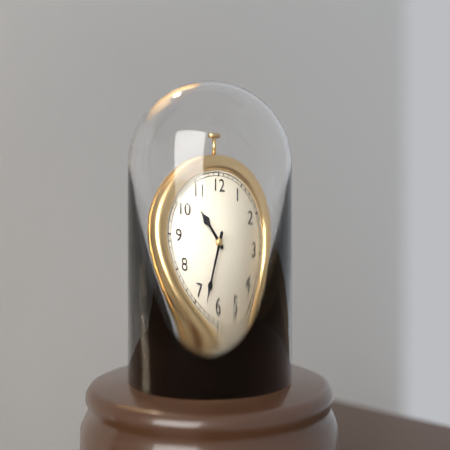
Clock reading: h=10 m=33
